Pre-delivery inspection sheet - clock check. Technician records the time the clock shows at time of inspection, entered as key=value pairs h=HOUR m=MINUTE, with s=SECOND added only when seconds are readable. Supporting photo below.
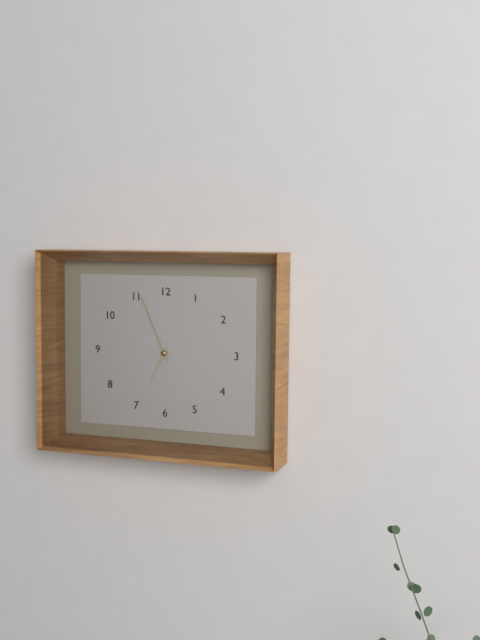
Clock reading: h=6 m=56
